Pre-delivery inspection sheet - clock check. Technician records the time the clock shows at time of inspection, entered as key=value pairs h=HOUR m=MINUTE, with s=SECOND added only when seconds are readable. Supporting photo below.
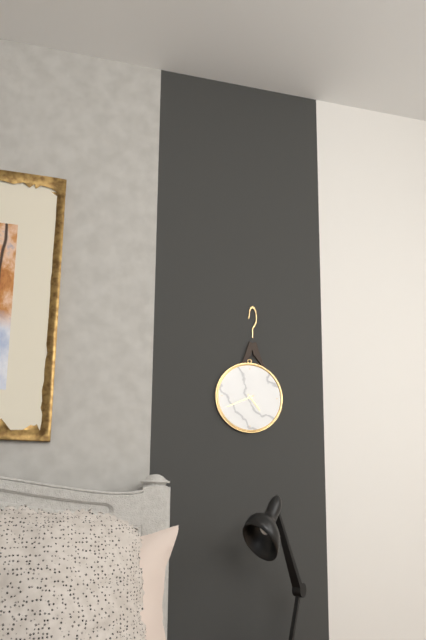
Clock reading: h=4 m=41
